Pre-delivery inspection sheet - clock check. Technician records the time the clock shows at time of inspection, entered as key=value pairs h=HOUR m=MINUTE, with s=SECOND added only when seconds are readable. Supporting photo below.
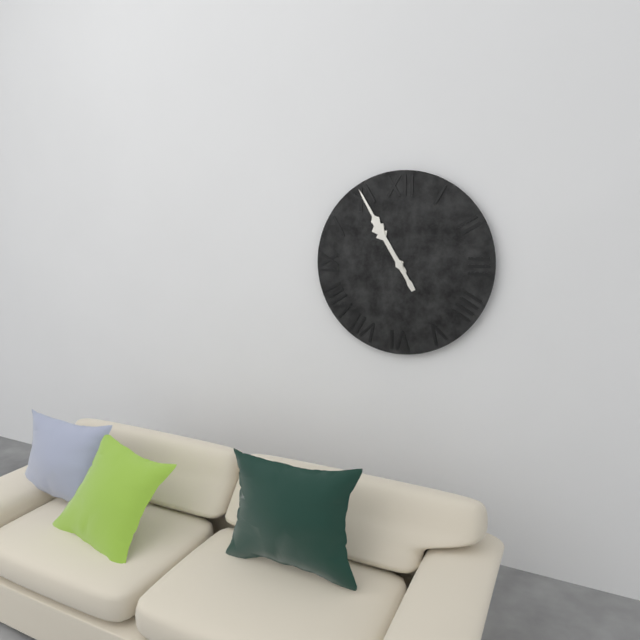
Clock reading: h=10 m=55
